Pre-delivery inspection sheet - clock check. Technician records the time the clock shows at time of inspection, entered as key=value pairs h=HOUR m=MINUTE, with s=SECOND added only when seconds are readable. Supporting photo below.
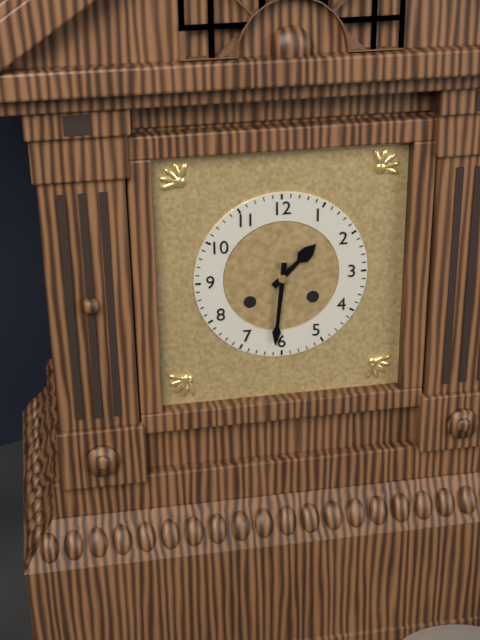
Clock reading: h=1 m=31
